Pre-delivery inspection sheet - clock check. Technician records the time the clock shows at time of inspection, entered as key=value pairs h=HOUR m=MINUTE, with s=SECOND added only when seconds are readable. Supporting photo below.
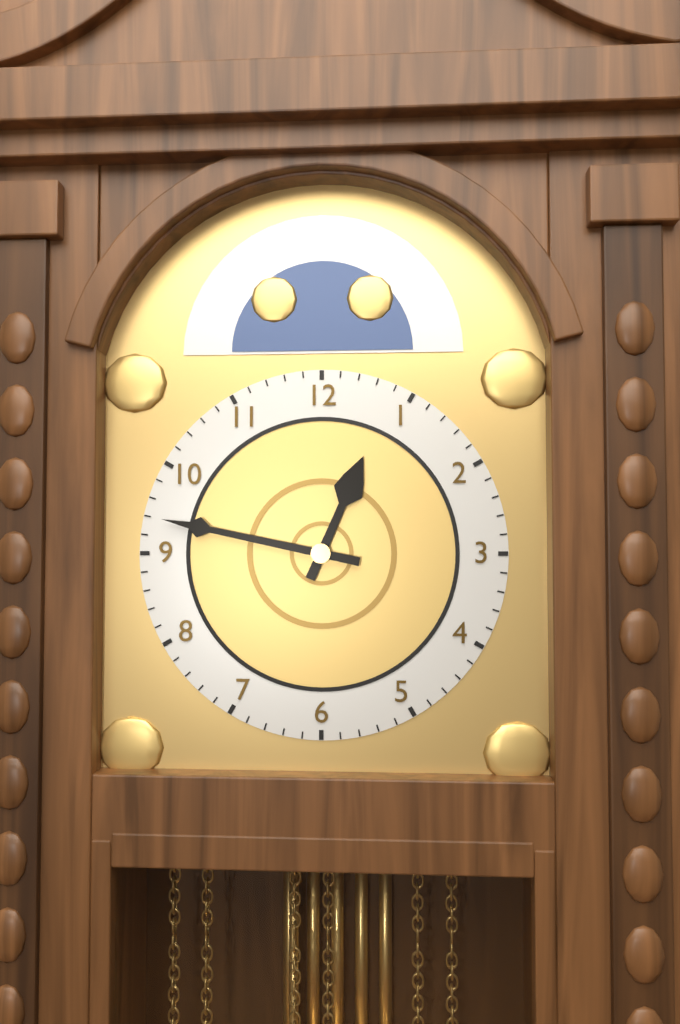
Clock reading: h=12 m=47
